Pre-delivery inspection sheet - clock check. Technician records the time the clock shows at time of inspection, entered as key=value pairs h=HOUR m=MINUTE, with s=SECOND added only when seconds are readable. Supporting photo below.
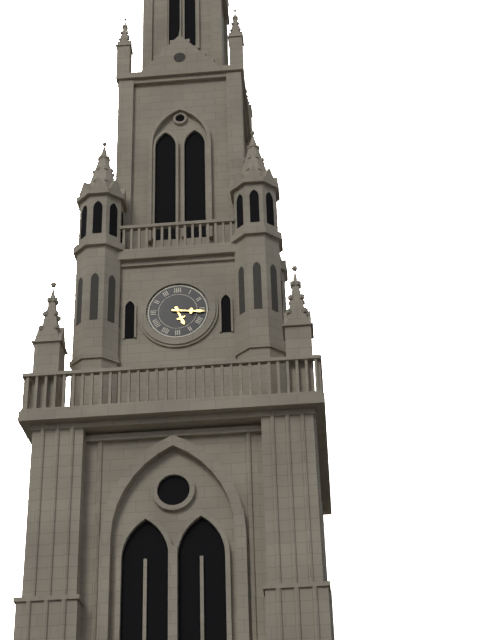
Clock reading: h=5 m=16
